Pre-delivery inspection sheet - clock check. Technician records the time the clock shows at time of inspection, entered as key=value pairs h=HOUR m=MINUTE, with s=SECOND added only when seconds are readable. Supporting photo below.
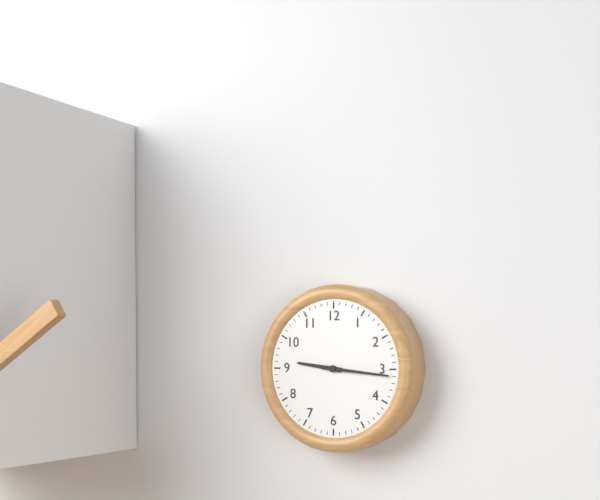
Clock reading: h=9 m=16
